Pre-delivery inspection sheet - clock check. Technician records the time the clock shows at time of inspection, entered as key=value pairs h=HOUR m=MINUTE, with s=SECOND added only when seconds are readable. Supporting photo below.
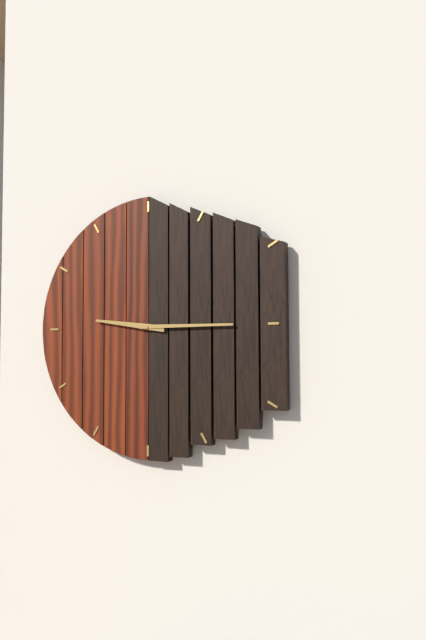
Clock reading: h=9 m=15
